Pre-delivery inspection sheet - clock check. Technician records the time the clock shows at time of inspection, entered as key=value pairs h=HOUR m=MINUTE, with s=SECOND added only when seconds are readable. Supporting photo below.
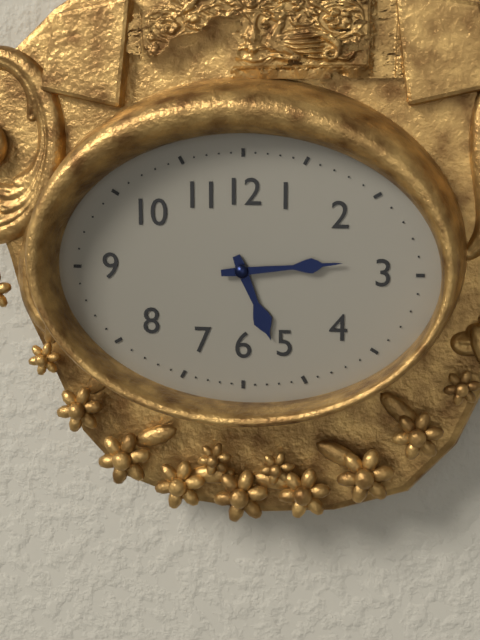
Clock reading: h=5 m=14
